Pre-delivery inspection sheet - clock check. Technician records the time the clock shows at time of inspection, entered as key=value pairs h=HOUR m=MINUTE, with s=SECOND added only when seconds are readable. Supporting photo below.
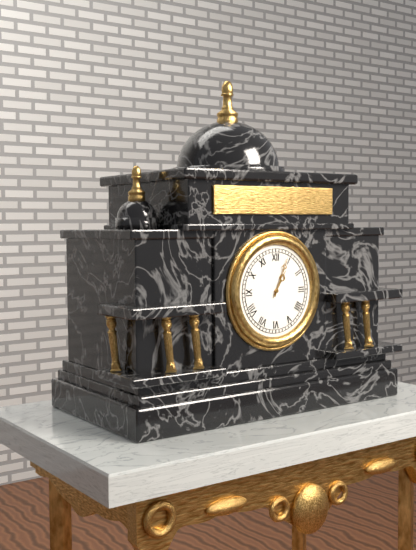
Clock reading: h=1 m=4
